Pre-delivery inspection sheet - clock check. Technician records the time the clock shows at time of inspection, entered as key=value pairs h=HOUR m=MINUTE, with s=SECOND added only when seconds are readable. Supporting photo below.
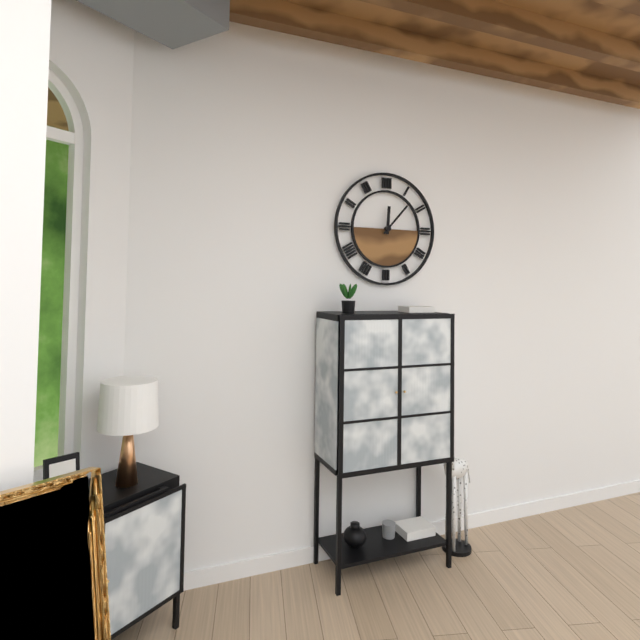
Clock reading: h=12 m=7
